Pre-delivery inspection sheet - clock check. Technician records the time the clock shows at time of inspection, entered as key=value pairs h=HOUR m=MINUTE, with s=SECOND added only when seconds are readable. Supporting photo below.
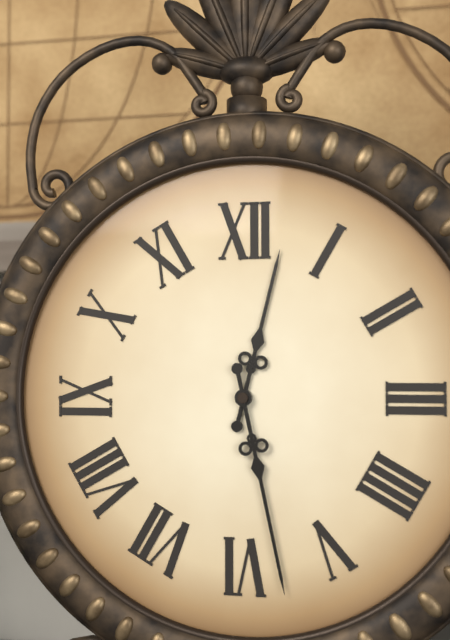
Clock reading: h=12 m=28
